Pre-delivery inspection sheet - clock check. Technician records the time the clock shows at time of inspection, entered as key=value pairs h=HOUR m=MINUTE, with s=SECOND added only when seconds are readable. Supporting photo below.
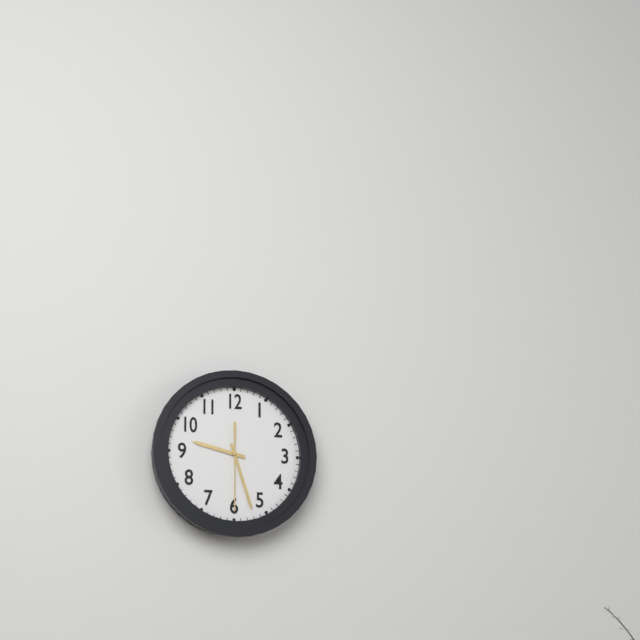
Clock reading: h=9 m=27 s=30
